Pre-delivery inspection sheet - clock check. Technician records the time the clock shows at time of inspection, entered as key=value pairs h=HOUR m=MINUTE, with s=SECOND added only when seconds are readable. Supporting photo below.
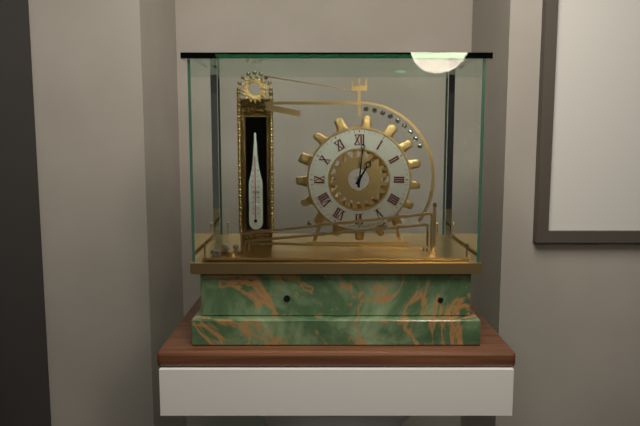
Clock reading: h=1 m=1
